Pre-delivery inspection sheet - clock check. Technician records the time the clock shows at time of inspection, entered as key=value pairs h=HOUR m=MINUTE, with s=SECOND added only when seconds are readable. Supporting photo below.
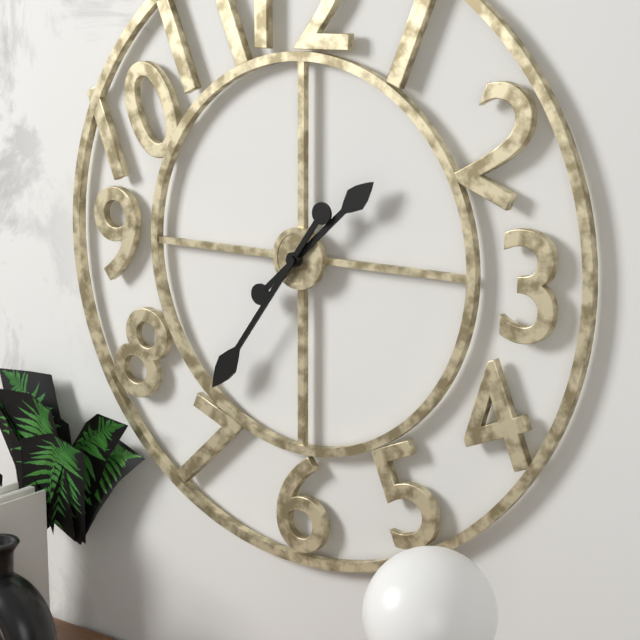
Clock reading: h=1 m=36
